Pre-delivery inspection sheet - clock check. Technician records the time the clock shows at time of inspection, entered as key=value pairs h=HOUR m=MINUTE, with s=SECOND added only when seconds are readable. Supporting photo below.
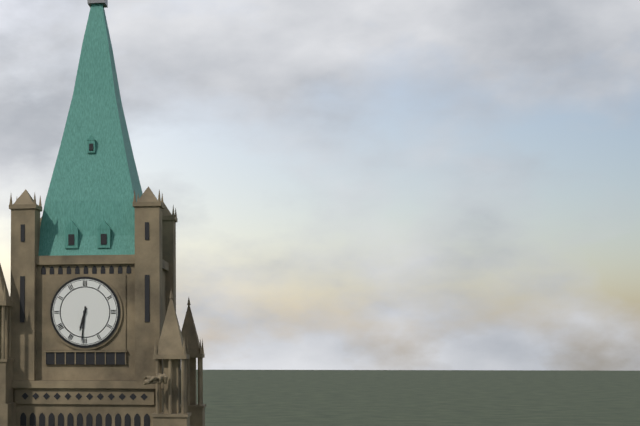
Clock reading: h=6 m=31
